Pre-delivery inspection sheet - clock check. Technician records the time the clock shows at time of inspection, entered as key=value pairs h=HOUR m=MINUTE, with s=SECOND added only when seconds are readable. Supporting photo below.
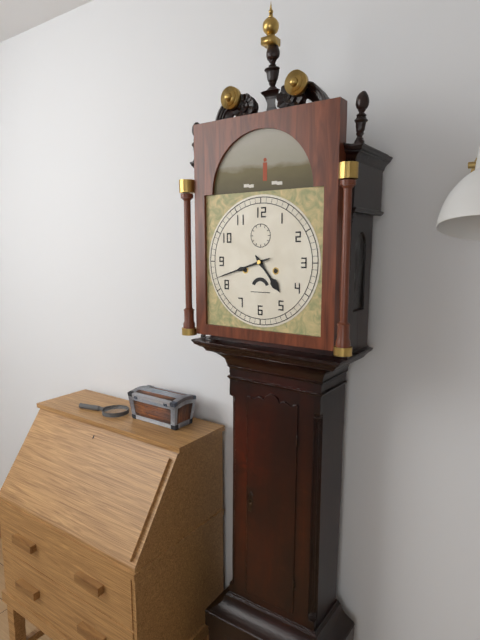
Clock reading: h=4 m=42
